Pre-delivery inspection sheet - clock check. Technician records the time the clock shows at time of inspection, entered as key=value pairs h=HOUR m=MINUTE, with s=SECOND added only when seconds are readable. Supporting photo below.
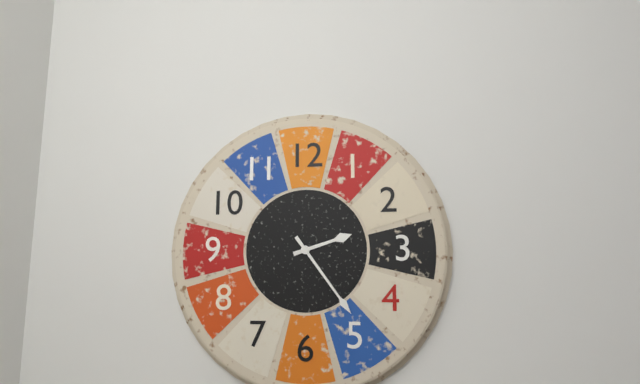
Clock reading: h=2 m=24
